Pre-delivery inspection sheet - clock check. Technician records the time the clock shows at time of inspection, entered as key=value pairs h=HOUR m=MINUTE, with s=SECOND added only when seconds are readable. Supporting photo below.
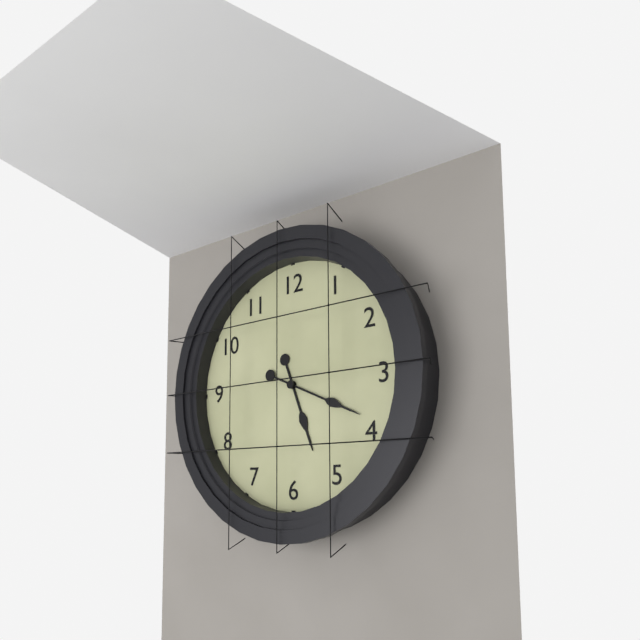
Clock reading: h=5 m=19
